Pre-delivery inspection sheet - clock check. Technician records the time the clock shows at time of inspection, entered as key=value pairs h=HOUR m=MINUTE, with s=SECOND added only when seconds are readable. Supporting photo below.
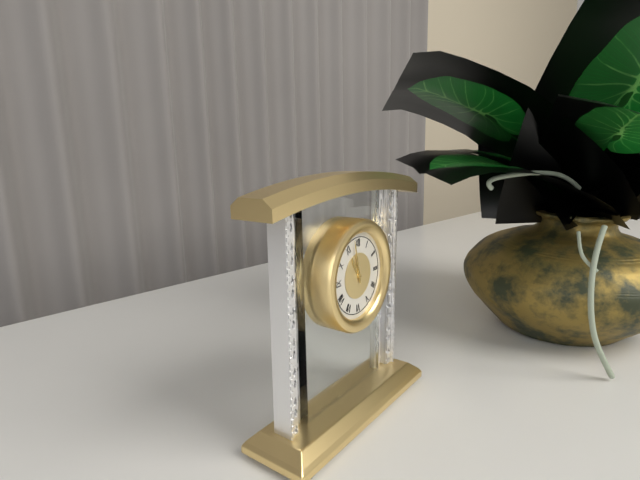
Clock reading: h=10 m=58
